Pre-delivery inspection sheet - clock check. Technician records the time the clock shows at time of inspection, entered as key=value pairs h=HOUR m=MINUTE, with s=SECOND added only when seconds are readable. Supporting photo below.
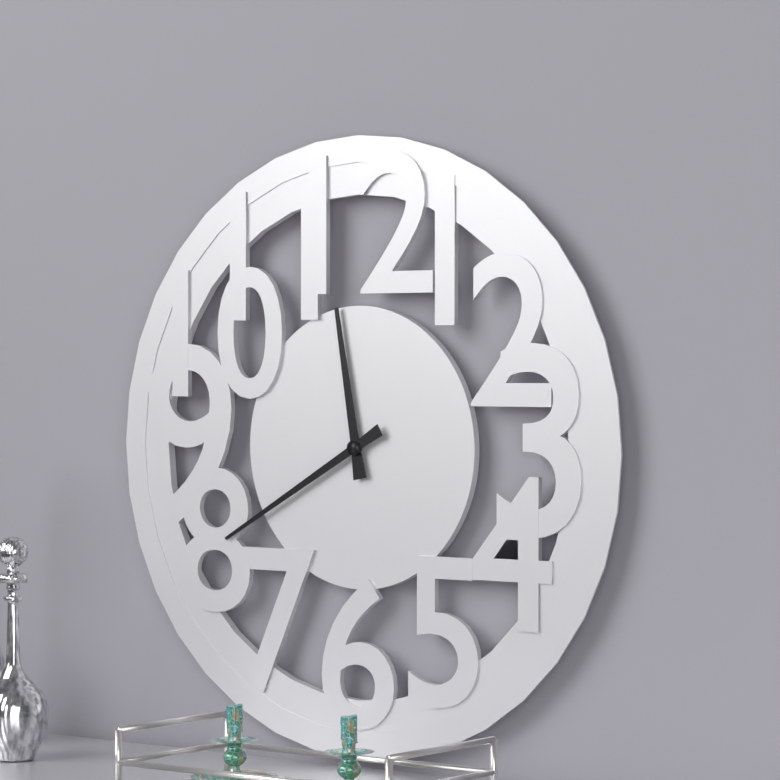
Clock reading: h=11 m=40
